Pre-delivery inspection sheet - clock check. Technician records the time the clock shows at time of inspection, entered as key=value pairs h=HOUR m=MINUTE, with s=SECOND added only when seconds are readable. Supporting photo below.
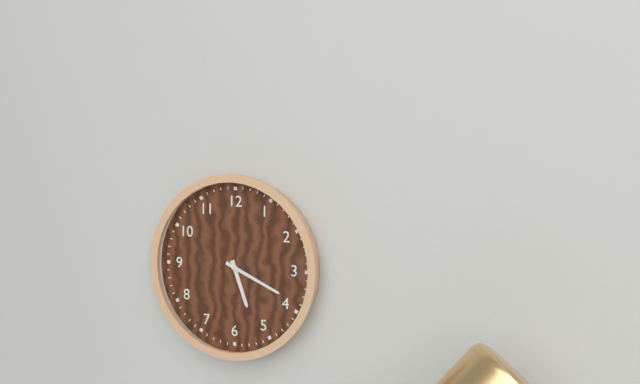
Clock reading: h=5 m=19
